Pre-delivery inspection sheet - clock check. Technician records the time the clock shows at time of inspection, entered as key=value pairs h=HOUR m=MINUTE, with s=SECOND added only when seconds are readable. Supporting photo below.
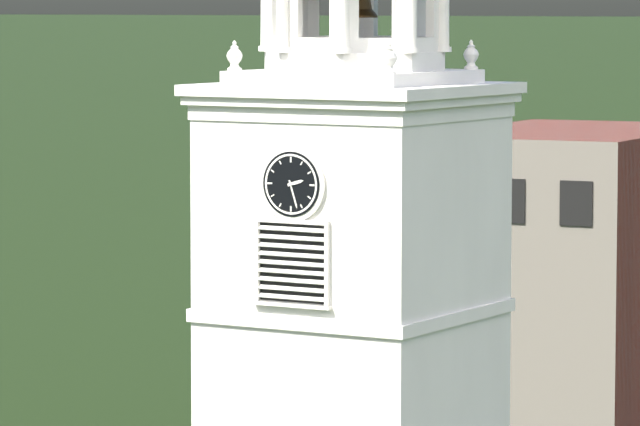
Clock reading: h=2 m=27
